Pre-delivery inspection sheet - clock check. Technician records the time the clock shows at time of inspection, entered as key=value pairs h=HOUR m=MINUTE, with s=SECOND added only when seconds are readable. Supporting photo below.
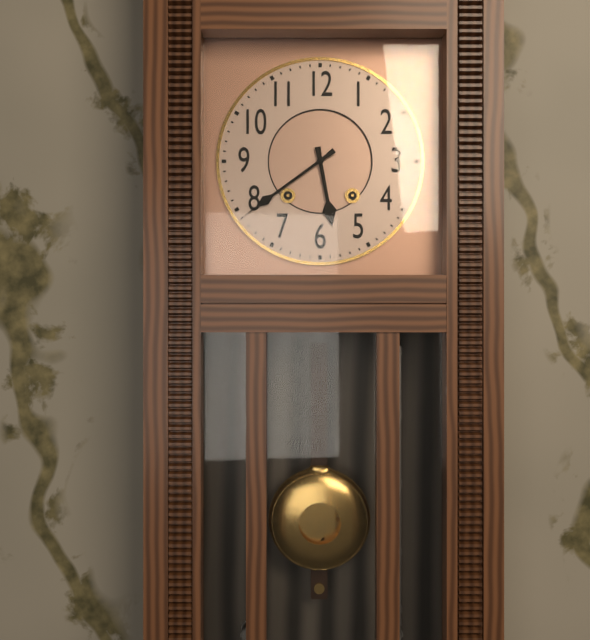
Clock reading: h=5 m=39
